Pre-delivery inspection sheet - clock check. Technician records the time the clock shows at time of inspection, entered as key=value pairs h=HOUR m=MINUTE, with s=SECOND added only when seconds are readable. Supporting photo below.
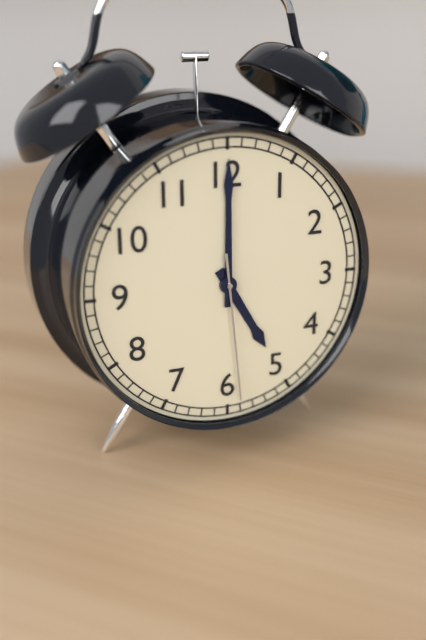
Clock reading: h=5 m=0 s=29
